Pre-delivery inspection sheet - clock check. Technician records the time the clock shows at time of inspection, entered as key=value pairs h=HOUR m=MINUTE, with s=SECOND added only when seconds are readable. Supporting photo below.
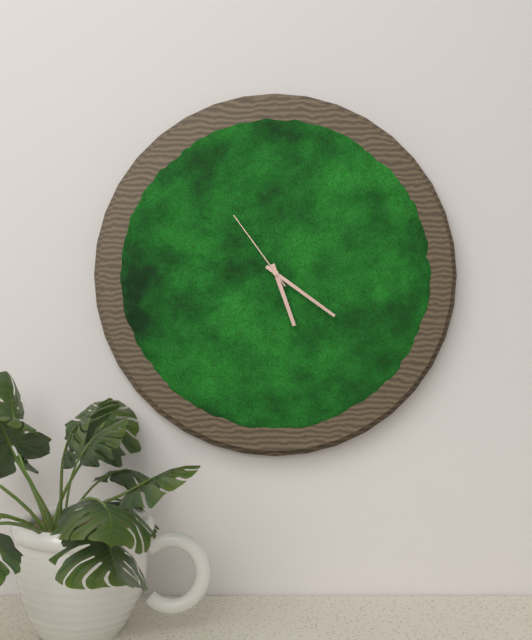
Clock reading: h=5 m=21 s=54
